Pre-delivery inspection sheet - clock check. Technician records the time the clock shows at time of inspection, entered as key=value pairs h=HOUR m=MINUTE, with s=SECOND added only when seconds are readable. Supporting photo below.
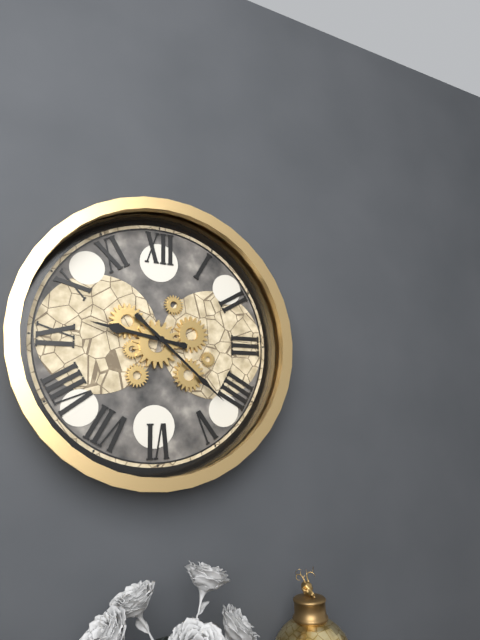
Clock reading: h=9 m=22
